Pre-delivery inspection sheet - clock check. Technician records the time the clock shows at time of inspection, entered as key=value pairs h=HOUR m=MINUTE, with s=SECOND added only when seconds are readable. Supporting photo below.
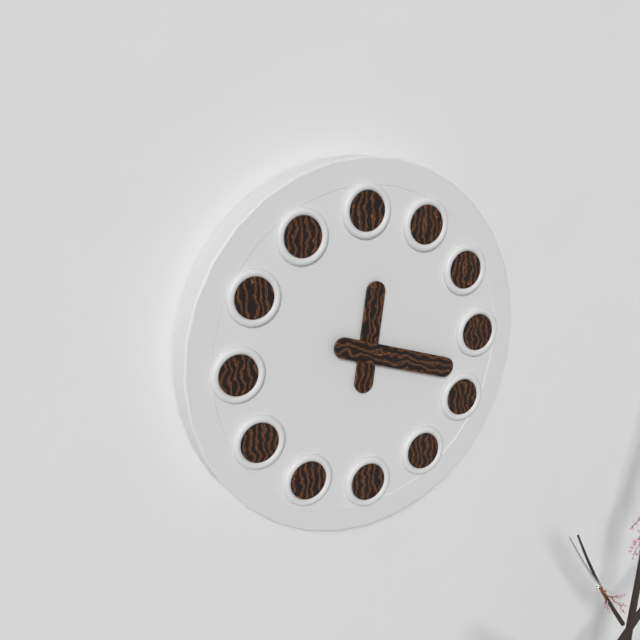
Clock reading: h=12 m=18
